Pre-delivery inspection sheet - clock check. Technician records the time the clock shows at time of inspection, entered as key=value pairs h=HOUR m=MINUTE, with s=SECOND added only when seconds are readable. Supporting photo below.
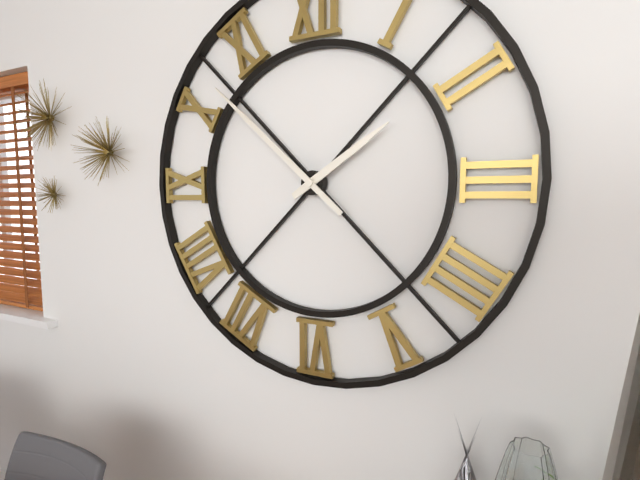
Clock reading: h=1 m=52
